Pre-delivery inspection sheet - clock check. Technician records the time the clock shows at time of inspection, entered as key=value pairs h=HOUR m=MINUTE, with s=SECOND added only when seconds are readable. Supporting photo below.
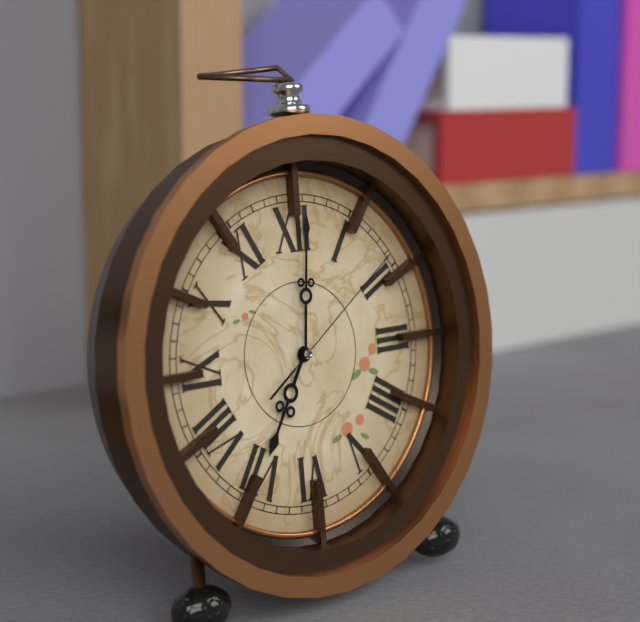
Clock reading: h=7 m=1 s=9
